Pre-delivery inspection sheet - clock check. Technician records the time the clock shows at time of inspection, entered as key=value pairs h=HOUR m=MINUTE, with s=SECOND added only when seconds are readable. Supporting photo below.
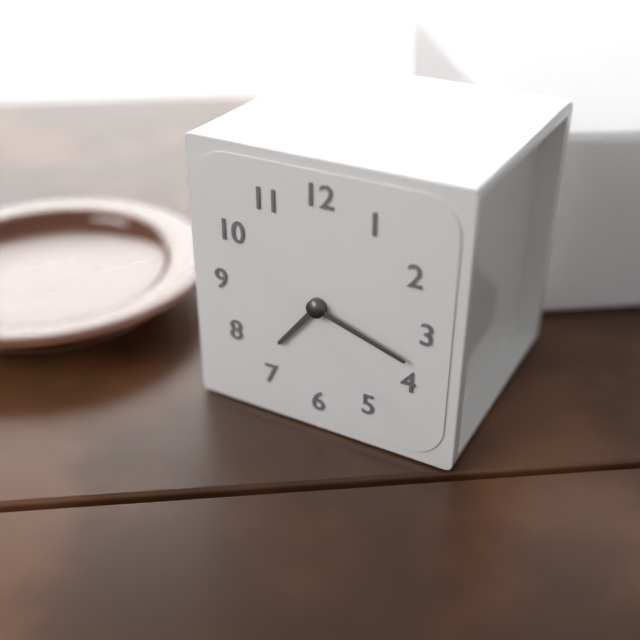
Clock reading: h=7 m=18
